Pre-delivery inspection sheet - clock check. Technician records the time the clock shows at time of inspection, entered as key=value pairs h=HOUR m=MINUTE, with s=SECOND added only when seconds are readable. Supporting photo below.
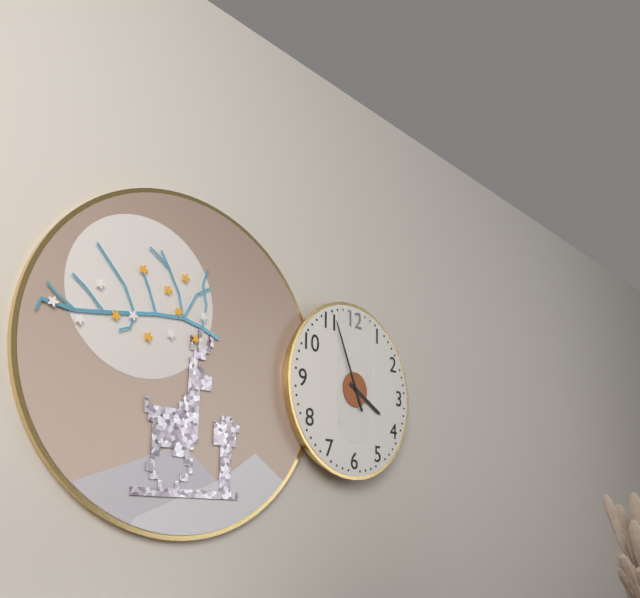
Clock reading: h=3 m=56
